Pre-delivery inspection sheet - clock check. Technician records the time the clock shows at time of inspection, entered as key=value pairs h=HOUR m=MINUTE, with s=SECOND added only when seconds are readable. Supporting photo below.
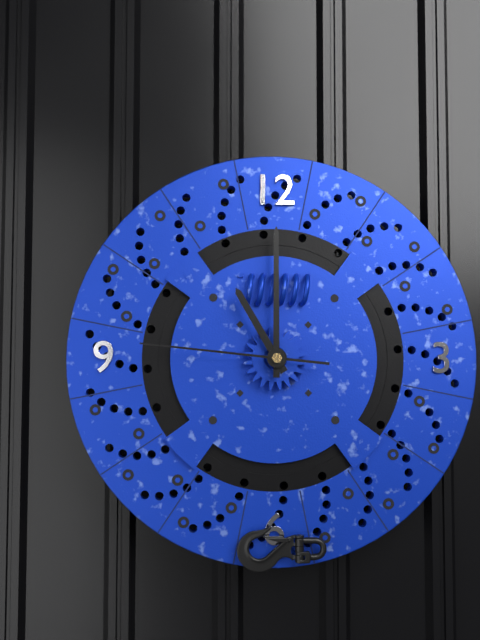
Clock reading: h=11 m=0 s=46
